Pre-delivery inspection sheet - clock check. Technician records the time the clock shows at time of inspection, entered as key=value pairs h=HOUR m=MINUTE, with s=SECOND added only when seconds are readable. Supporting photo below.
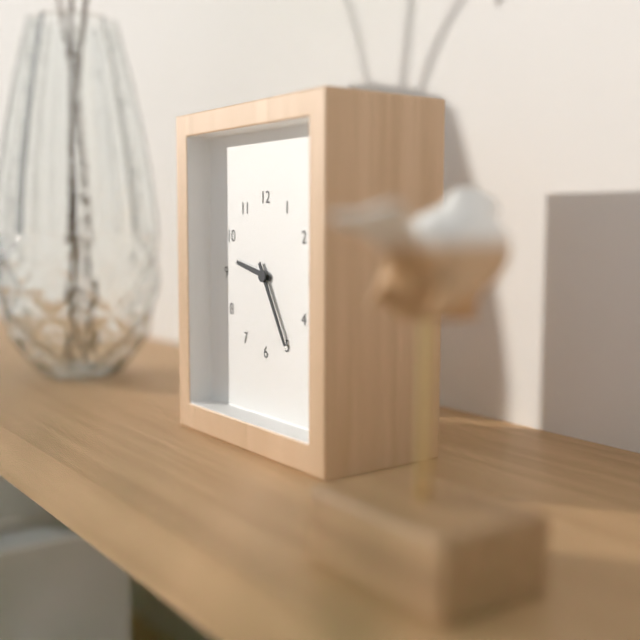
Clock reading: h=9 m=25
